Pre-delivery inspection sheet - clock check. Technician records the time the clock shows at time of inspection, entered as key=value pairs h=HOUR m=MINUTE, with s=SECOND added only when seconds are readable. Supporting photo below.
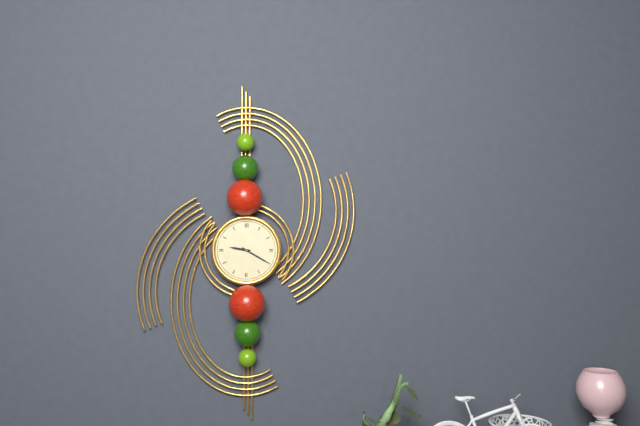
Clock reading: h=9 m=20
